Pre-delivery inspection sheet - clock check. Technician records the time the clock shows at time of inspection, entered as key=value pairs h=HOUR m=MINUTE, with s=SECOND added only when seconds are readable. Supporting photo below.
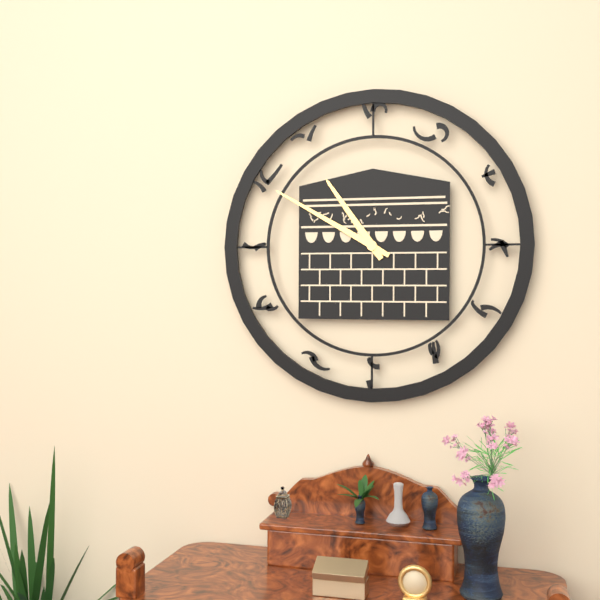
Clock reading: h=10 m=50
